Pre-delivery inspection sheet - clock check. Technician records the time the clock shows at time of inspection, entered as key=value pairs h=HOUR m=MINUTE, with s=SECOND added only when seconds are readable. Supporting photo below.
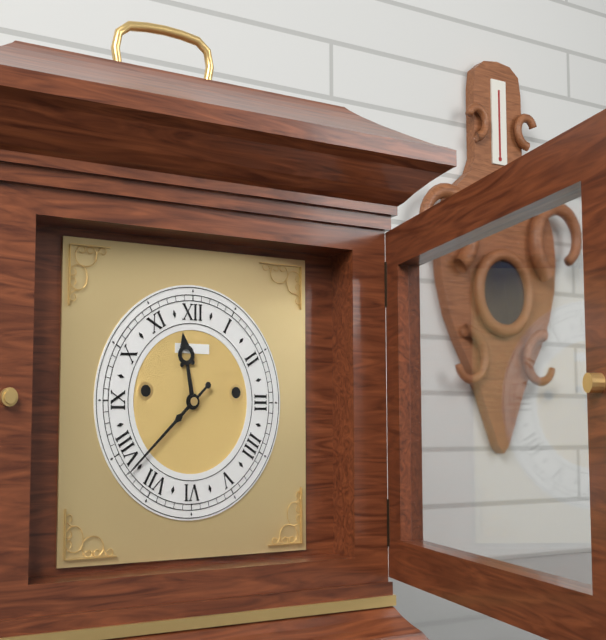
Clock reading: h=11 m=38
